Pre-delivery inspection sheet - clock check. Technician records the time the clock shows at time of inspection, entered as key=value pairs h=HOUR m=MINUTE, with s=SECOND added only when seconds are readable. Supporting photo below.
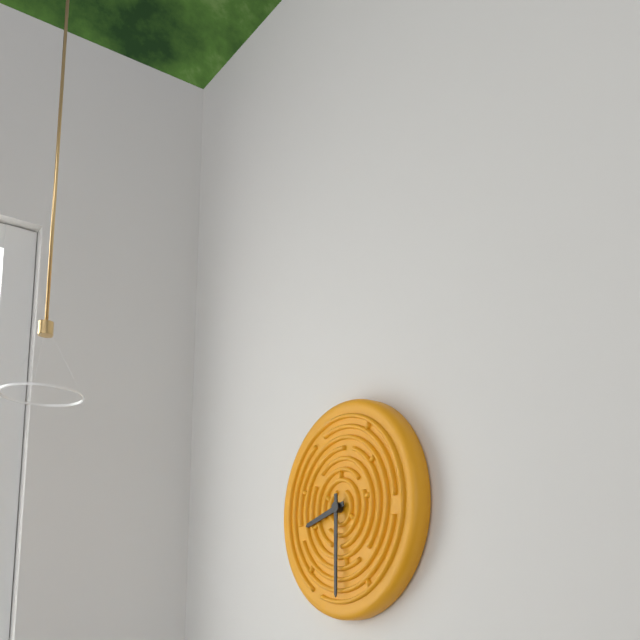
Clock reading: h=8 m=30
